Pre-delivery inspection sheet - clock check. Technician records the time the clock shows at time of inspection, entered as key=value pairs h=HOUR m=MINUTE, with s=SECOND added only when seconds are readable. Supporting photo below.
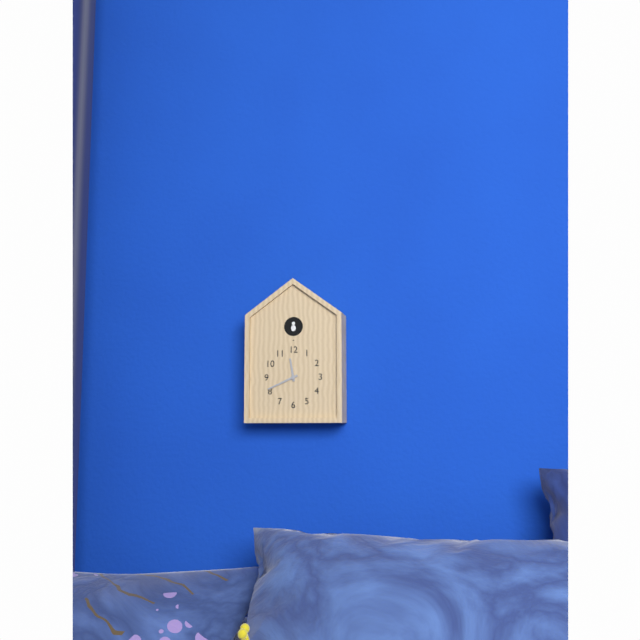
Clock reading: h=11 m=41
